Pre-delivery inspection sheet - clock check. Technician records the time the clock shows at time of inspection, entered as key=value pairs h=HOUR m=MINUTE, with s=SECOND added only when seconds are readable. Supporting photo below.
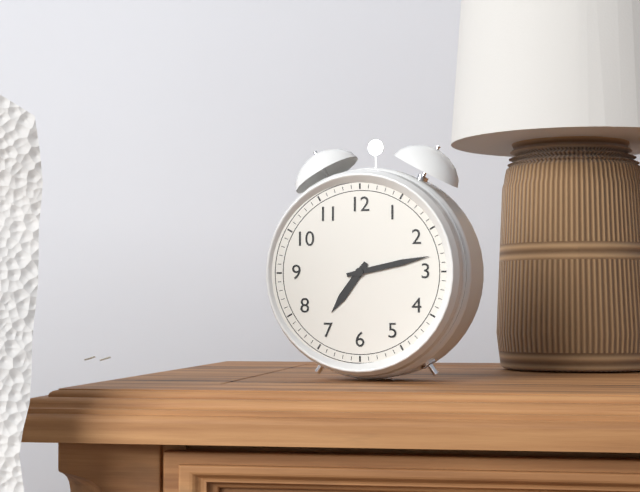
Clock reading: h=7 m=13
